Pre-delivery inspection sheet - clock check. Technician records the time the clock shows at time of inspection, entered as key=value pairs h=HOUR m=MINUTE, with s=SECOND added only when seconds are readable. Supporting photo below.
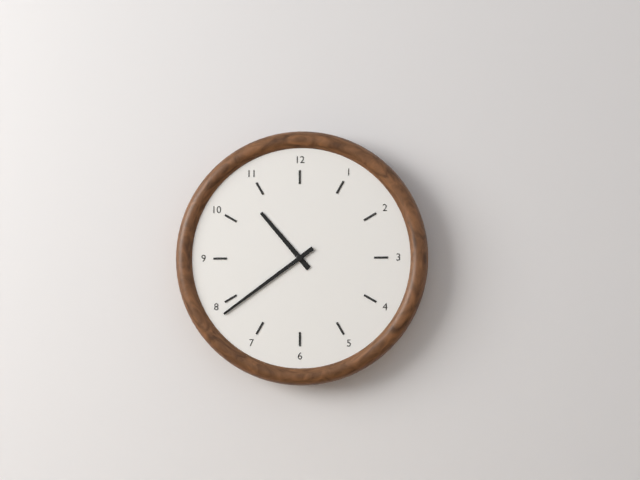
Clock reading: h=10 m=39
